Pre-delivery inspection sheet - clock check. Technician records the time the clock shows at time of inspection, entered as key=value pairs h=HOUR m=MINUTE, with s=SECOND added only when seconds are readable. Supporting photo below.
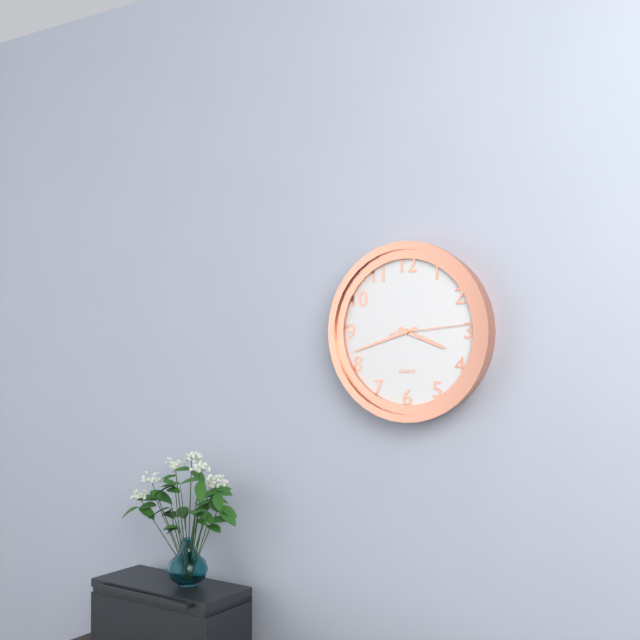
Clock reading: h=3 m=42 s=14
